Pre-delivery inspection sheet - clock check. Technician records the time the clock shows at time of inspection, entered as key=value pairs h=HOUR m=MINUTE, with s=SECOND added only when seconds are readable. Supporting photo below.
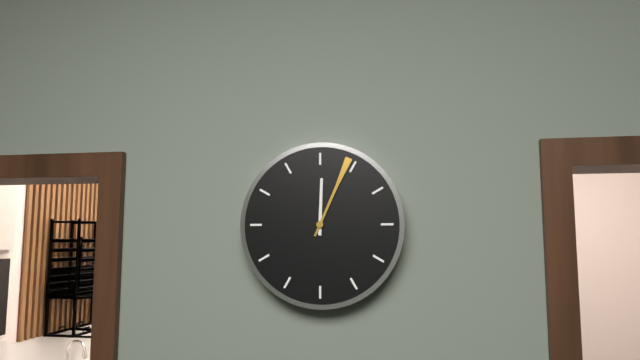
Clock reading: h=12 m=4
